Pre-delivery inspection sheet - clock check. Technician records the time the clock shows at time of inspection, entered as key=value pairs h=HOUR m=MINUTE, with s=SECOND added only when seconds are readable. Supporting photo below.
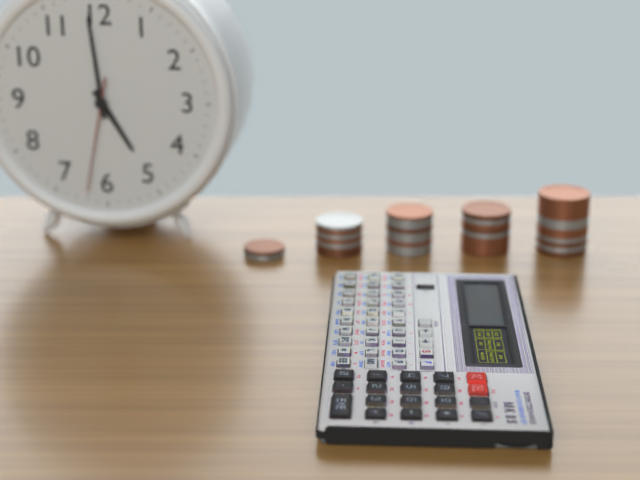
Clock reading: h=4 m=59 s=32
